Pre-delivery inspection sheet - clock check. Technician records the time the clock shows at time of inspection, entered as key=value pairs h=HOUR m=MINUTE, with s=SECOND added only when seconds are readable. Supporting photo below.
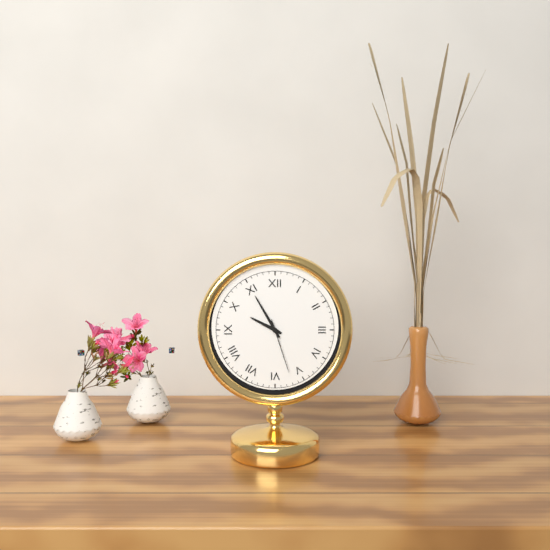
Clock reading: h=9 m=55 s=27
